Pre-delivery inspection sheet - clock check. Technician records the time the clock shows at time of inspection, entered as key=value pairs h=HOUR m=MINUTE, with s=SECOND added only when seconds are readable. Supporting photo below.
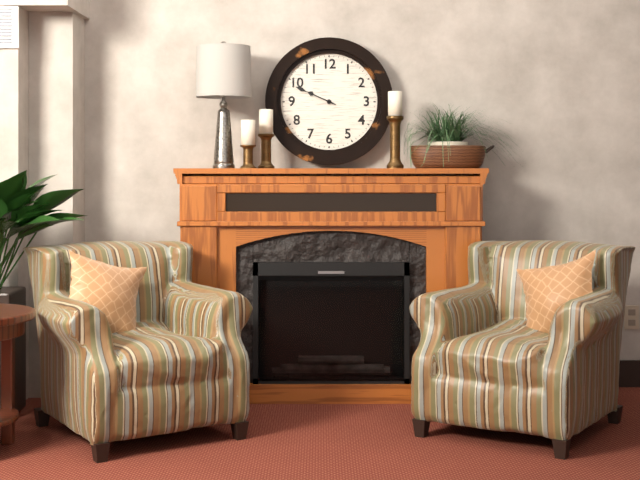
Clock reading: h=9 m=49
